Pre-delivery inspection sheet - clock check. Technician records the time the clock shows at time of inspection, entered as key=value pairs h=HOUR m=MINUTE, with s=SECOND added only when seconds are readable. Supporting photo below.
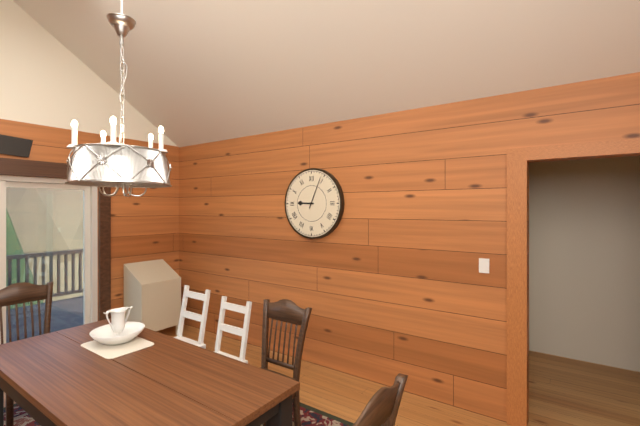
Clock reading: h=9 m=4
